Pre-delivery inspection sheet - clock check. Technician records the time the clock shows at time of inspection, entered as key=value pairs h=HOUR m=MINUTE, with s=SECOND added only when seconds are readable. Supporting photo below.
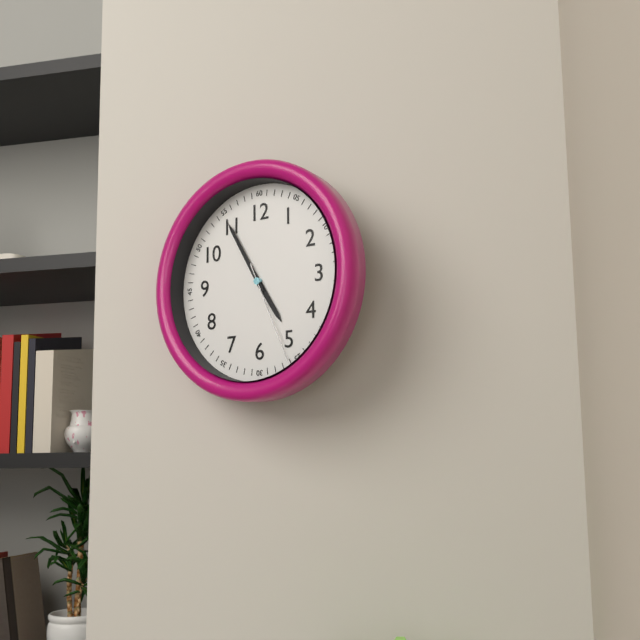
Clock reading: h=4 m=55 s=26
